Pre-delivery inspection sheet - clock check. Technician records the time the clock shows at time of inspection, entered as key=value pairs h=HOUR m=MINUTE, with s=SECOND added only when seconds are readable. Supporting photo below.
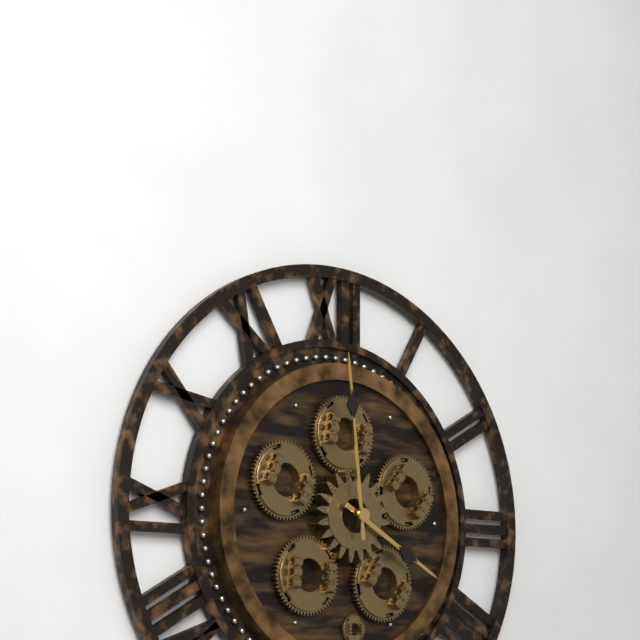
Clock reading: h=3 m=59
